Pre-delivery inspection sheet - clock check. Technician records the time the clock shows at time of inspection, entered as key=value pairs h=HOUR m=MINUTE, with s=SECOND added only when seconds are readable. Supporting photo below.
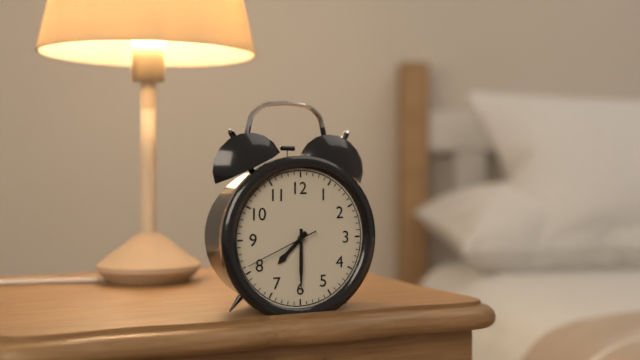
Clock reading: h=7 m=30 s=41
